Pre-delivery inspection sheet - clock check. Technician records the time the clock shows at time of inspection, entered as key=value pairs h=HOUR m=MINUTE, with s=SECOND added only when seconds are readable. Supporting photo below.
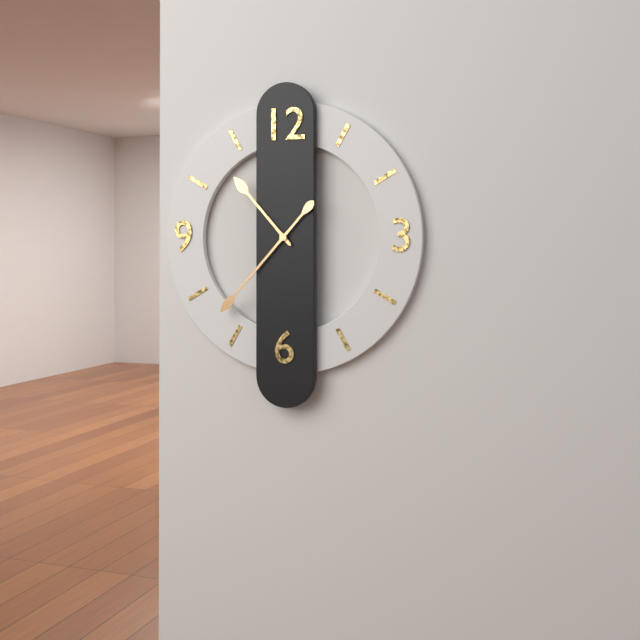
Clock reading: h=10 m=37
